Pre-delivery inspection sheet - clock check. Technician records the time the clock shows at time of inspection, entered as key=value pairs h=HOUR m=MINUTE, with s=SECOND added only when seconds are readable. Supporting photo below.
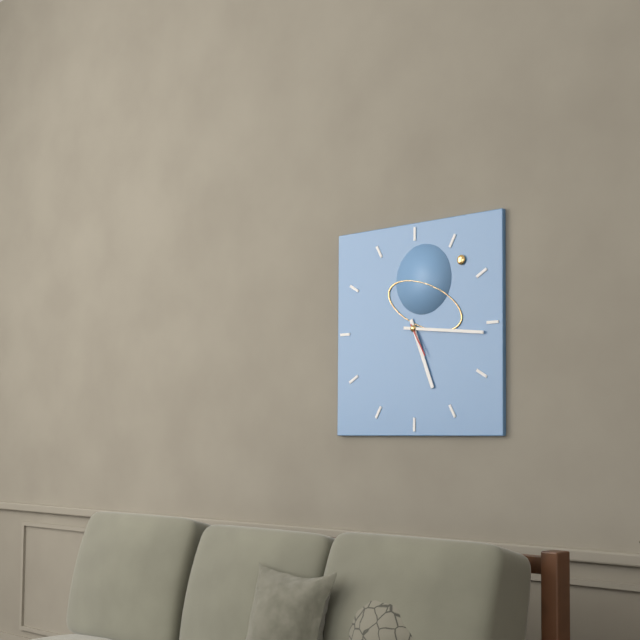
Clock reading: h=5 m=16
